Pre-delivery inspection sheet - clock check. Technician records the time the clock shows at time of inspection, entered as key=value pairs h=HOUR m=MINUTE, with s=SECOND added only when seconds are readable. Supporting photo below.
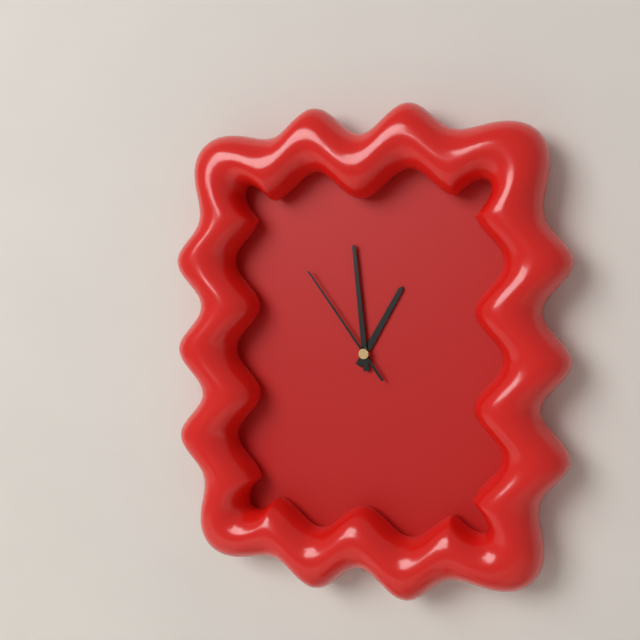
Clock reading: h=12 m=59 s=54
